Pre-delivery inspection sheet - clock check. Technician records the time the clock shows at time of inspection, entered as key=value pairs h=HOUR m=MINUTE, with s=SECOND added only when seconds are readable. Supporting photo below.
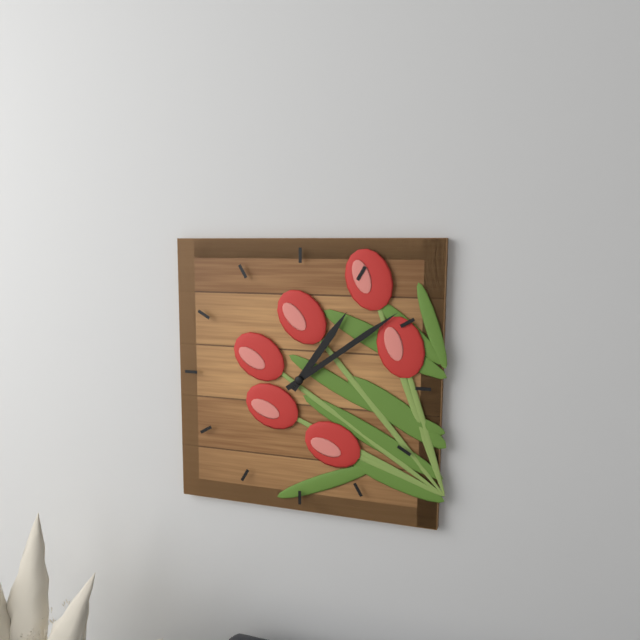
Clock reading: h=1 m=9
